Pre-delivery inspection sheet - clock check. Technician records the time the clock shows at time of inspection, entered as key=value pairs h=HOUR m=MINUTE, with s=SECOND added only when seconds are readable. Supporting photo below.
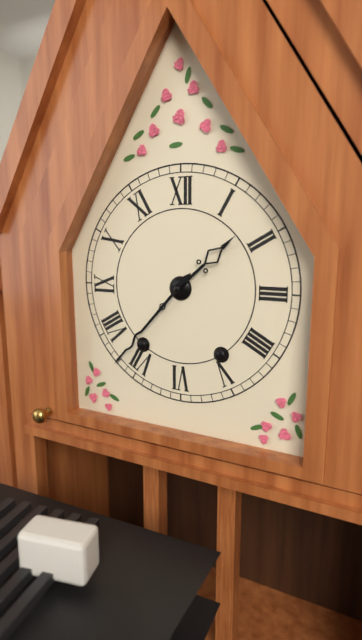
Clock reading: h=1 m=37
